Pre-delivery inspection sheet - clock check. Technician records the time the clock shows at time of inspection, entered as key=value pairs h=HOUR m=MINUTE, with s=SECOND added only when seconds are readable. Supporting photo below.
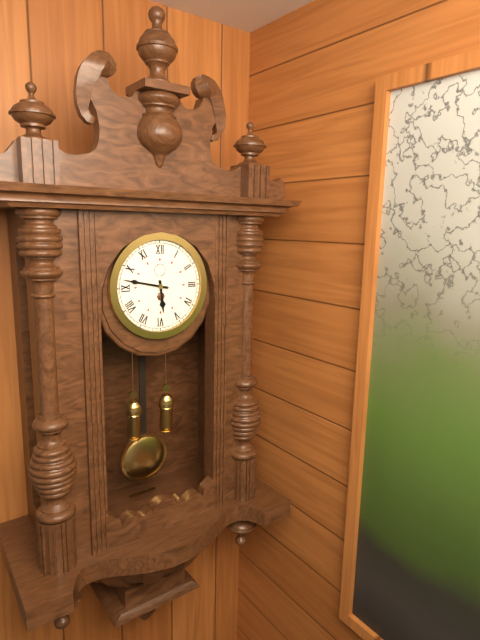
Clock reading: h=5 m=47
